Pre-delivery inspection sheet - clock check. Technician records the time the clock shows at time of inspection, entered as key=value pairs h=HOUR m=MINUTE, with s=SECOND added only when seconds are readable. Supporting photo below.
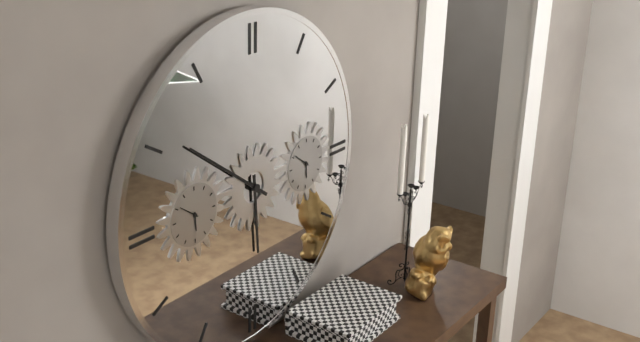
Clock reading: h=5 m=51
